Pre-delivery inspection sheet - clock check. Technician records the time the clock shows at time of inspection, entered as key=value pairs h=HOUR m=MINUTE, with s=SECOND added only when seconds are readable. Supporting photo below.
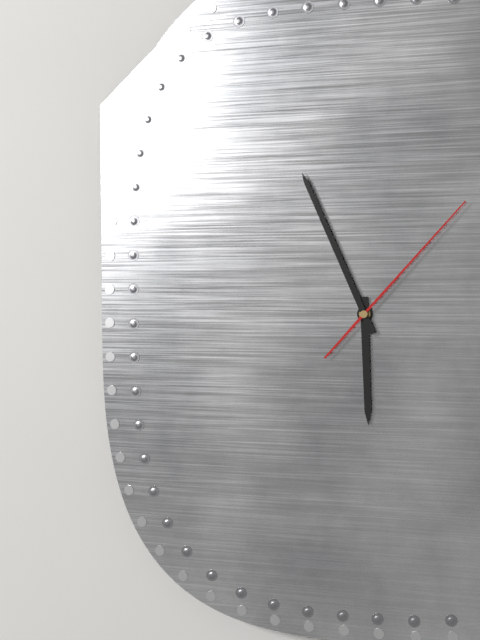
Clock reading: h=5 m=56 s=7
